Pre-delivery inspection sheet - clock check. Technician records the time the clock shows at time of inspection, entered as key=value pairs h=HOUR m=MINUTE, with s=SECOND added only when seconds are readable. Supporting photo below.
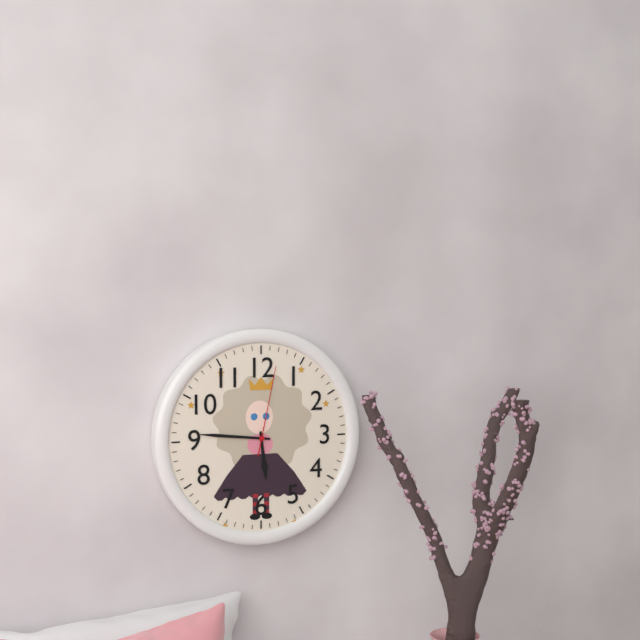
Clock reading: h=5 m=46 s=2
